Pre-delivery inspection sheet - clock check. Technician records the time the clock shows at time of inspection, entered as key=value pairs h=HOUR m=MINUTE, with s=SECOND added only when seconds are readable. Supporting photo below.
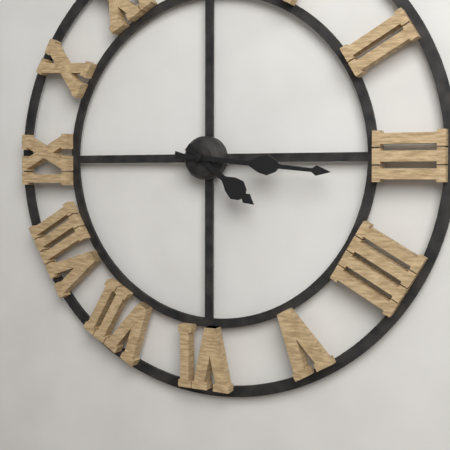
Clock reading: h=4 m=16
